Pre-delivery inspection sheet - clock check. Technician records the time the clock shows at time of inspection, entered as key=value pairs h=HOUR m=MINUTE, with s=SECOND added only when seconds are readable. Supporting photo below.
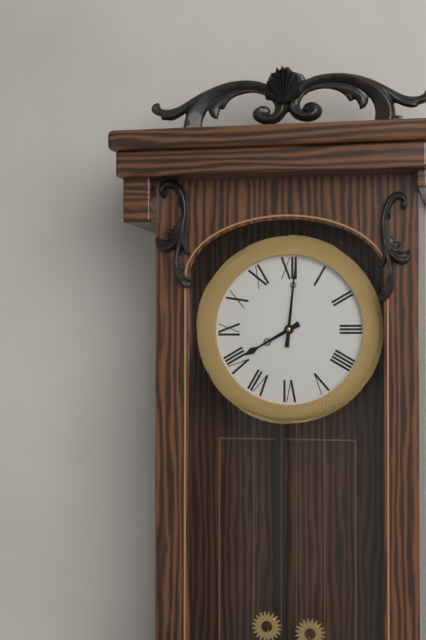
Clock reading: h=8 m=1
